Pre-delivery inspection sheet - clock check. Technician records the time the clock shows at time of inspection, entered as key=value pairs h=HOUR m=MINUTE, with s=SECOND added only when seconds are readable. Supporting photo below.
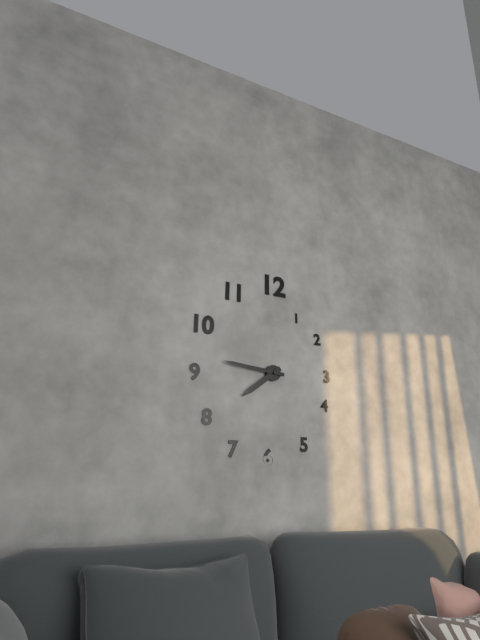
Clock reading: h=7 m=46
